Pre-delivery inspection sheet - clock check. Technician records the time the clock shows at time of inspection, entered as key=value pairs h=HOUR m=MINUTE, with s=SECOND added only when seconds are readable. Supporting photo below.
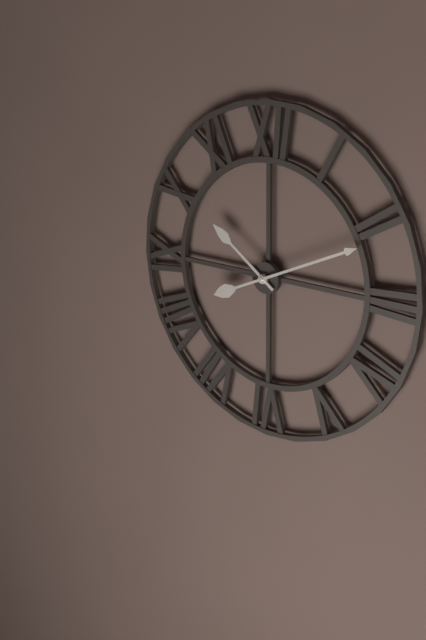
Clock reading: h=10 m=11
